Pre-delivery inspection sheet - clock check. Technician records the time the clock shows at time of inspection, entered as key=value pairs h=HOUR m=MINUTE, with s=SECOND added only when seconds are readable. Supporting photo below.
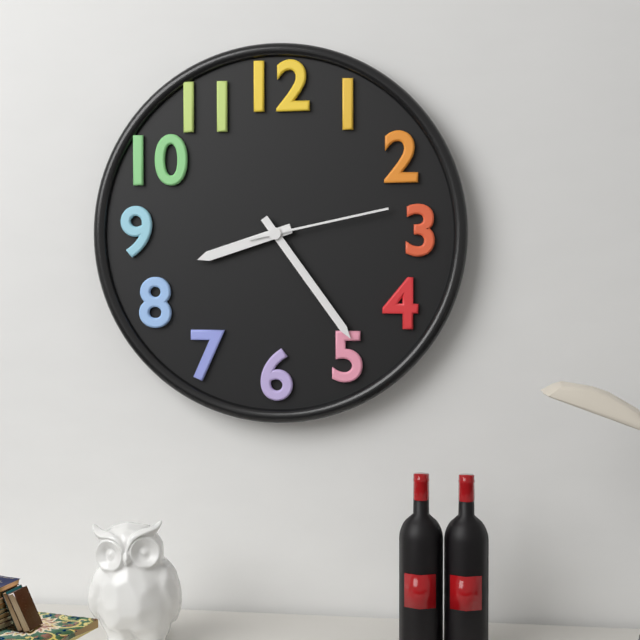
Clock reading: h=8 m=24 s=13
